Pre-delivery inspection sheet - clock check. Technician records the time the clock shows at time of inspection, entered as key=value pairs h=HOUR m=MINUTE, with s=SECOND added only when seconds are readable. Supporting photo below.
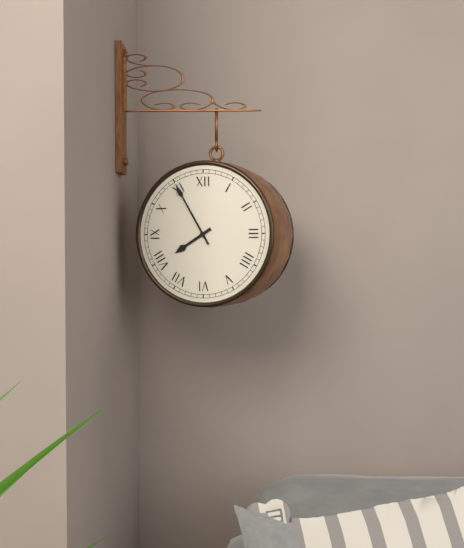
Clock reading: h=7 m=55
